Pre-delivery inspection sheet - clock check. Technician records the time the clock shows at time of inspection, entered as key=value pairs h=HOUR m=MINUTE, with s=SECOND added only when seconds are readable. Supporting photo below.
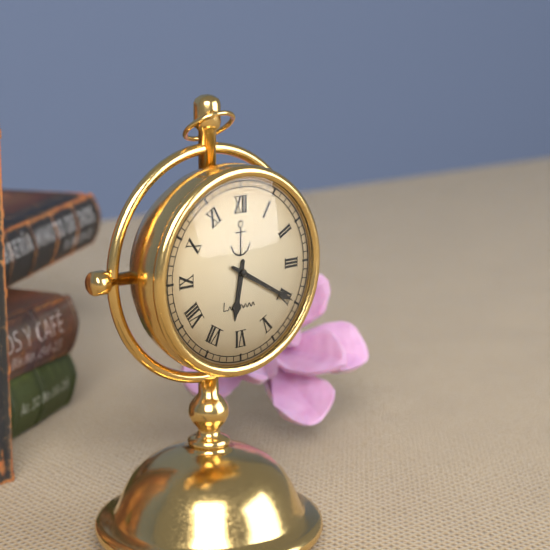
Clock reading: h=6 m=20
